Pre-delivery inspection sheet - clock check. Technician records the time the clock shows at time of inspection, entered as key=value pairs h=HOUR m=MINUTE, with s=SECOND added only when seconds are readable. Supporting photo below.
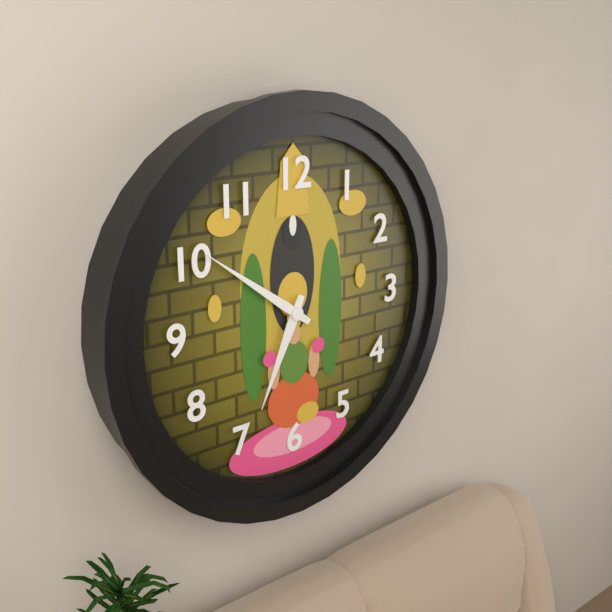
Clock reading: h=6 m=51
